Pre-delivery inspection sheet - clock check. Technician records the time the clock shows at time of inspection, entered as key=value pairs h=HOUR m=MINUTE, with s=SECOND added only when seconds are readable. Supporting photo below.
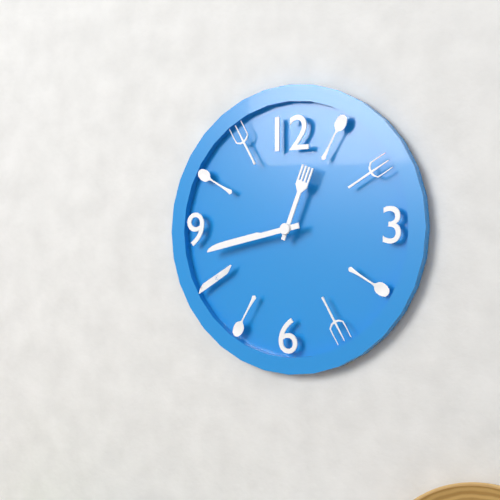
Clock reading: h=12 m=43
